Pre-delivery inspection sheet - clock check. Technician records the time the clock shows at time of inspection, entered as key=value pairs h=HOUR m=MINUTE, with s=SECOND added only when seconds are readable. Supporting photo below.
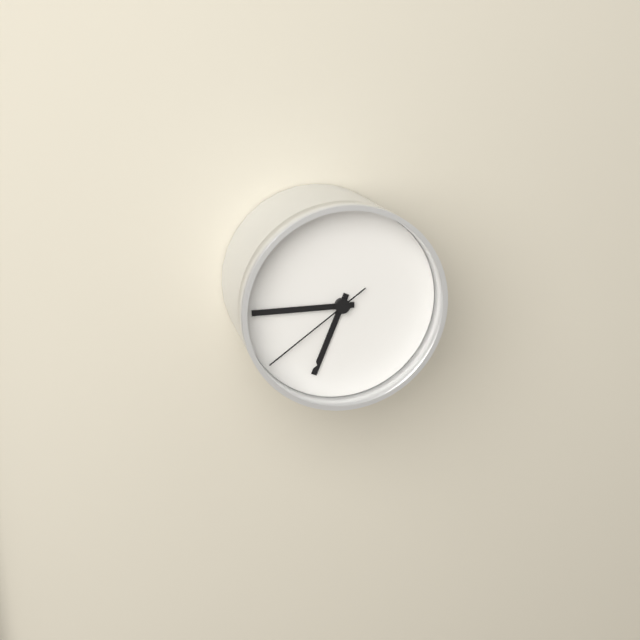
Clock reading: h=6 m=45 s=39
